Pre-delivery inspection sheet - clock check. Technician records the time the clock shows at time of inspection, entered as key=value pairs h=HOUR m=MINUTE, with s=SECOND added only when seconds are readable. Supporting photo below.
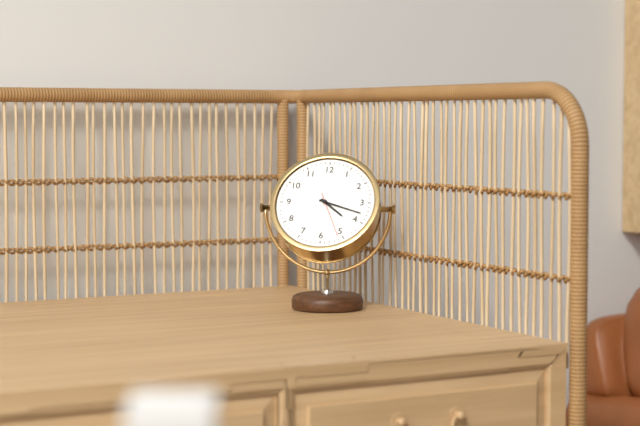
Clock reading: h=4 m=18
